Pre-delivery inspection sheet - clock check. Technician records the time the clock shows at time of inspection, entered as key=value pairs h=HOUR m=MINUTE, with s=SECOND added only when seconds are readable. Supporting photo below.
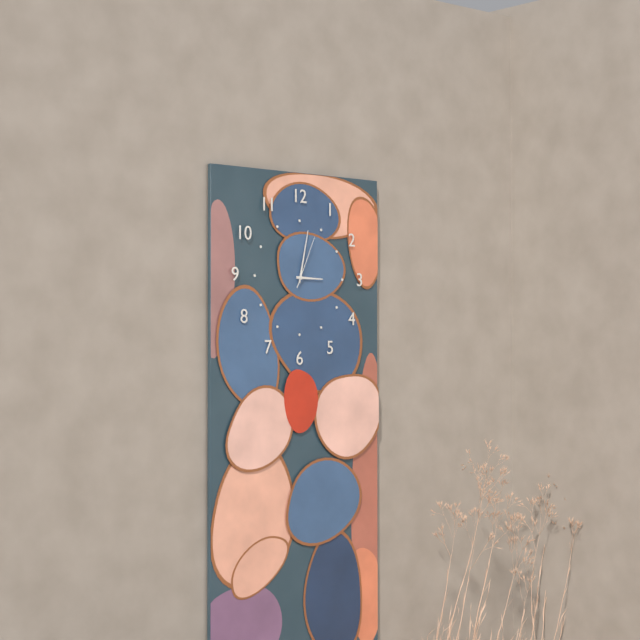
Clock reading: h=3 m=2 s=4
